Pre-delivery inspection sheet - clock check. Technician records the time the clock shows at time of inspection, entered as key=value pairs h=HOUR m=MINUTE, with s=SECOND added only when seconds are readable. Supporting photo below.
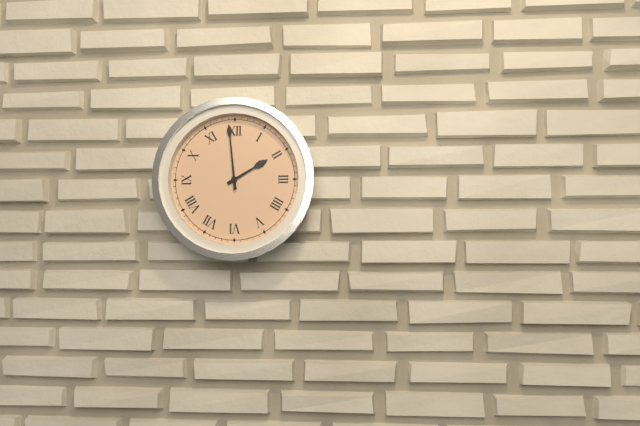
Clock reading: h=1 m=59
